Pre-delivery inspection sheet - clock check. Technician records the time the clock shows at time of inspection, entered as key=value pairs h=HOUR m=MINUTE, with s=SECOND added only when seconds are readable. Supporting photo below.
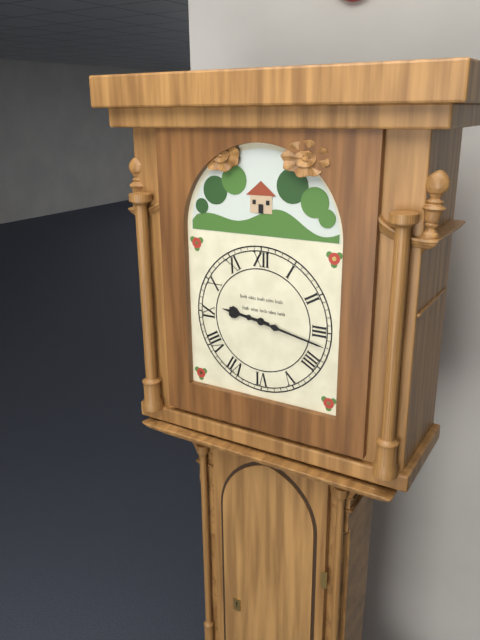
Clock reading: h=9 m=17
